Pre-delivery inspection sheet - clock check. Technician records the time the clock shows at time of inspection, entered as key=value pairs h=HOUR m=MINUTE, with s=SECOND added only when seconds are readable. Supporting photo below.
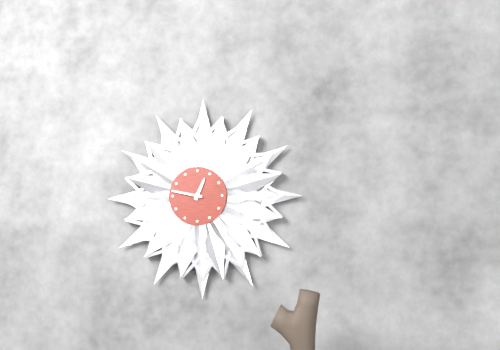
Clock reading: h=12 m=47
